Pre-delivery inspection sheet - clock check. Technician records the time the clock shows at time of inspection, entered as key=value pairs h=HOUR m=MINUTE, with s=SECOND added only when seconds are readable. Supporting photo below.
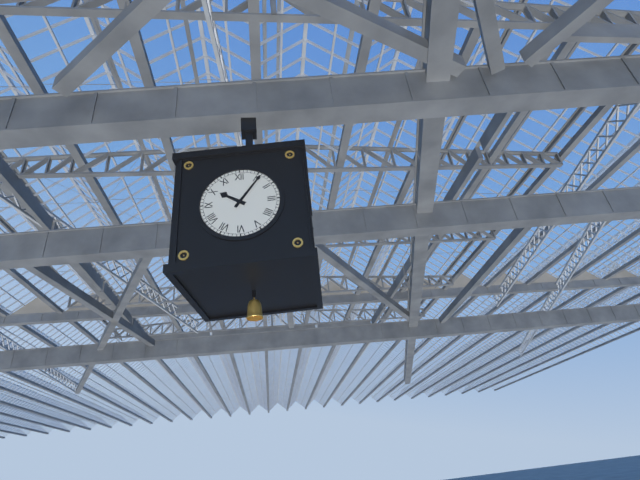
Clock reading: h=10 m=6
